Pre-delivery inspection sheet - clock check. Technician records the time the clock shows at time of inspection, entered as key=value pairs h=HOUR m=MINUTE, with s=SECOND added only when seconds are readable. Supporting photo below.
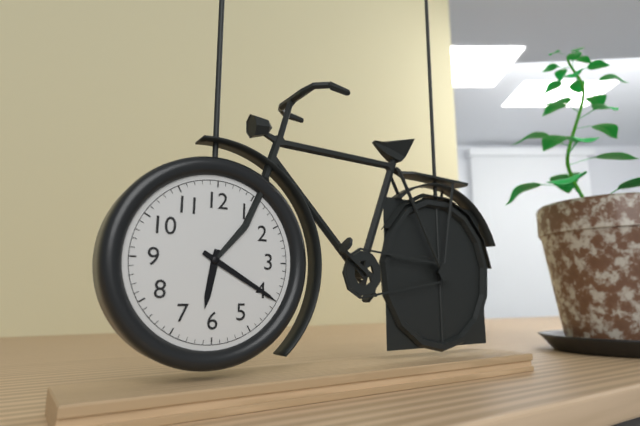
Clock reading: h=6 m=20
